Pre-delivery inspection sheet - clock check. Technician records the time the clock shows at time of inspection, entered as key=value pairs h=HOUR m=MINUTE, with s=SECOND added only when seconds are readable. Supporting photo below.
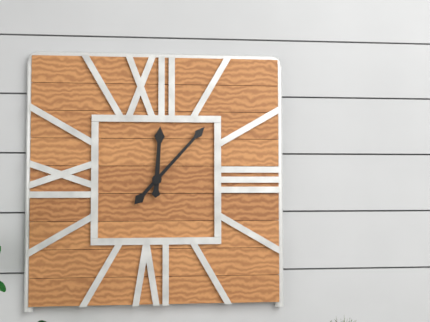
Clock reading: h=12 m=7
